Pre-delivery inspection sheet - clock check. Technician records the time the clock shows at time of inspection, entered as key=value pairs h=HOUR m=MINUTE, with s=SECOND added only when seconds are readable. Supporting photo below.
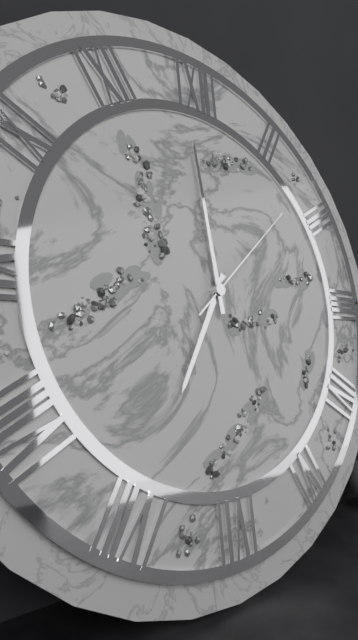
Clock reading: h=6 m=59 s=8
